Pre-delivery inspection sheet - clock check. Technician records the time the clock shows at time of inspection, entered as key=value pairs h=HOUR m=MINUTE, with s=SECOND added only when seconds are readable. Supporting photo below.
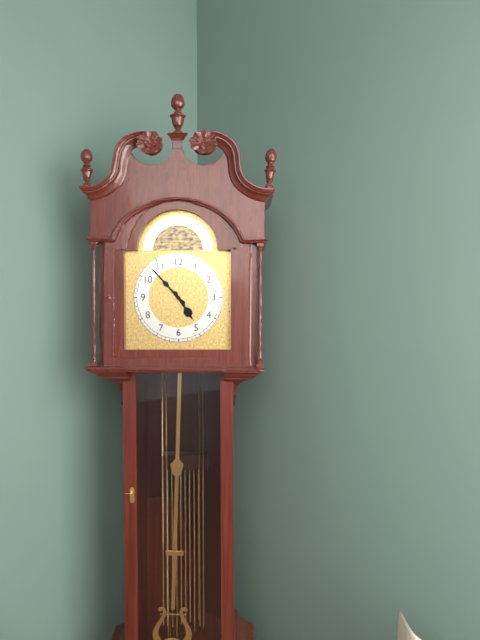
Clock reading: h=4 m=53
